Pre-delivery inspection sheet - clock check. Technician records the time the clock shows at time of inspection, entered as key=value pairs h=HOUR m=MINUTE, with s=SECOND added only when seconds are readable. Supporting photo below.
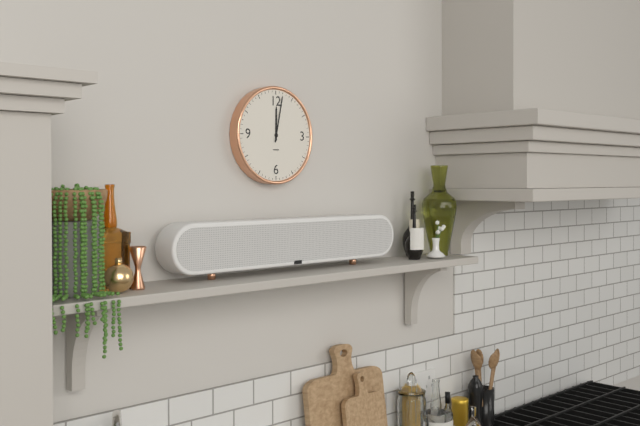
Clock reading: h=12 m=2
